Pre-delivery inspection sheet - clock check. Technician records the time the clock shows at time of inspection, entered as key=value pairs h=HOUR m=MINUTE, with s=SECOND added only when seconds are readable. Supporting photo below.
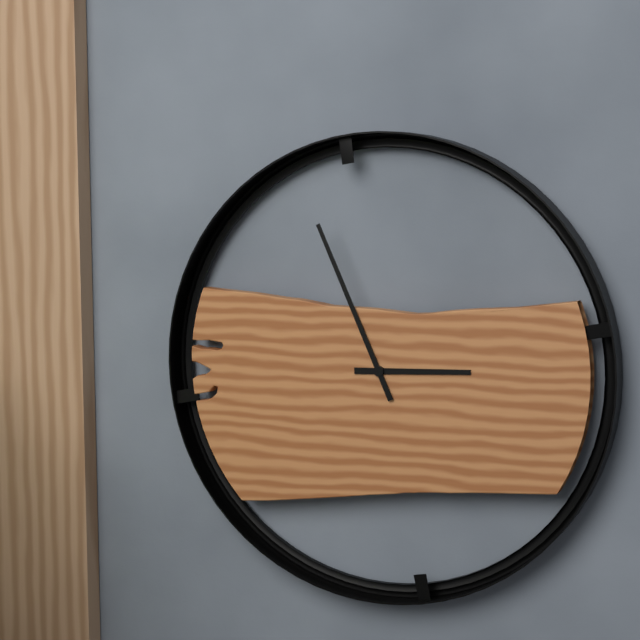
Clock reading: h=2 m=56
